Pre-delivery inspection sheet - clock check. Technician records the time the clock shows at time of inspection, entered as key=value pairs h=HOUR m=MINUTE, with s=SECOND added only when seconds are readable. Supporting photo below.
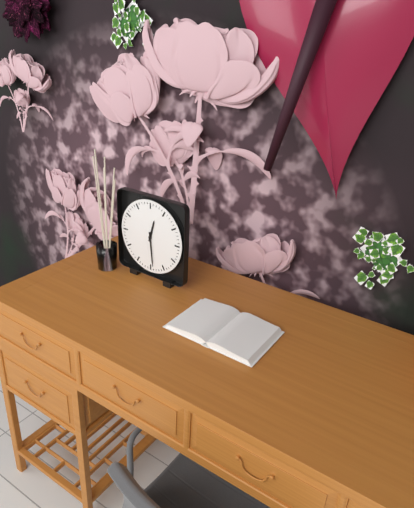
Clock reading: h=12 m=29
